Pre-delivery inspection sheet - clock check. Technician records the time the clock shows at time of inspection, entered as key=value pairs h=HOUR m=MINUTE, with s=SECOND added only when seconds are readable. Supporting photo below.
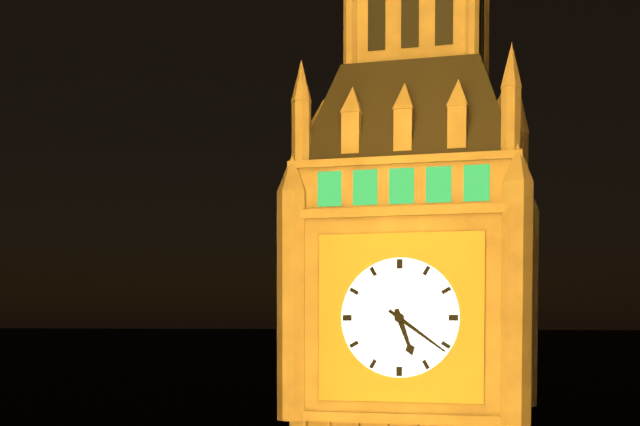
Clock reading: h=5 m=21
